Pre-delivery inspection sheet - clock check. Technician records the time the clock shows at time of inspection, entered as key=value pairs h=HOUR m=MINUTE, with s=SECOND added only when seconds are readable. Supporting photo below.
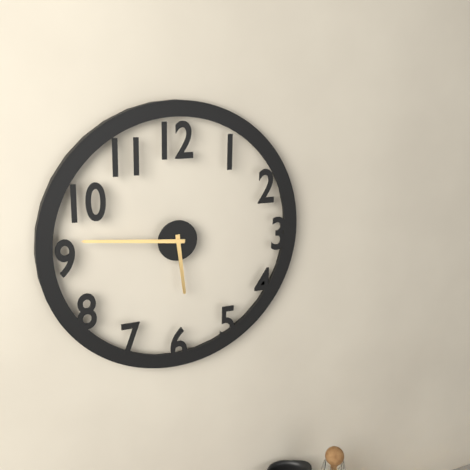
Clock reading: h=5 m=46
